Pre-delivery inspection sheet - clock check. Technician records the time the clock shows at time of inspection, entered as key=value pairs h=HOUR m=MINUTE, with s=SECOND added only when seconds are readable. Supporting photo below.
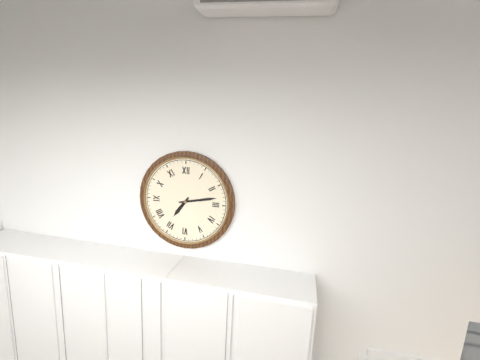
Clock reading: h=7 m=13
